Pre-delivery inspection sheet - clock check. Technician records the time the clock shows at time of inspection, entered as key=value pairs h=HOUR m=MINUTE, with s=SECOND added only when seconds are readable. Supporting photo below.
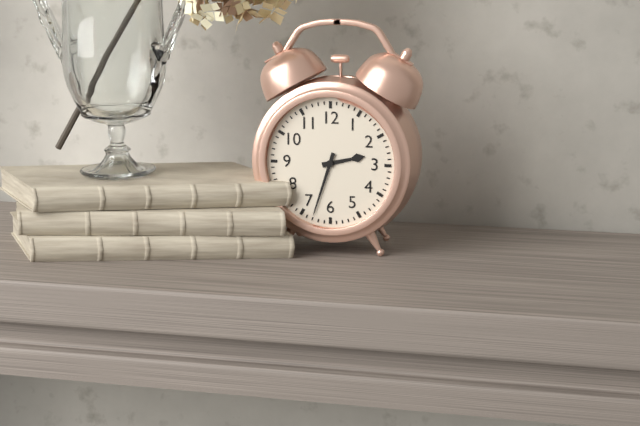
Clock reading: h=2 m=33
